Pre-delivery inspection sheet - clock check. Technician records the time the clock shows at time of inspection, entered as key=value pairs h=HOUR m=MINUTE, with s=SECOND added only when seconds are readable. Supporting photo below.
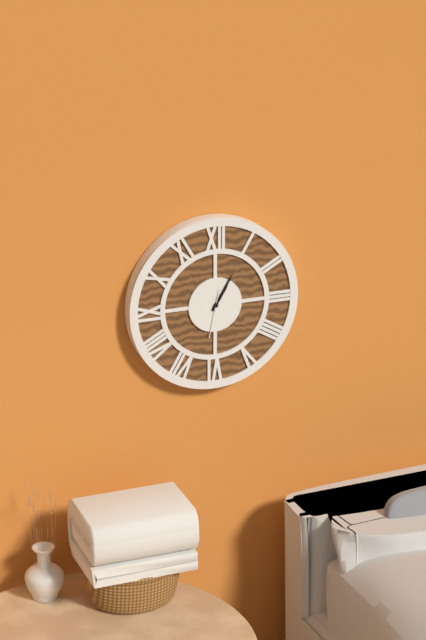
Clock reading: h=1 m=5
